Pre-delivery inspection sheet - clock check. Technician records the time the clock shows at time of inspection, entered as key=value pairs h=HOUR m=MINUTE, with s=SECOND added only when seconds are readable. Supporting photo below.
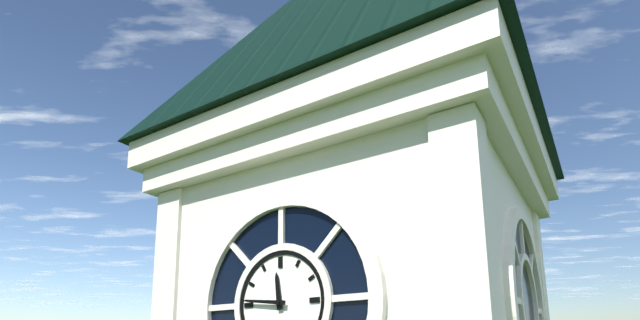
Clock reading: h=11 m=46
